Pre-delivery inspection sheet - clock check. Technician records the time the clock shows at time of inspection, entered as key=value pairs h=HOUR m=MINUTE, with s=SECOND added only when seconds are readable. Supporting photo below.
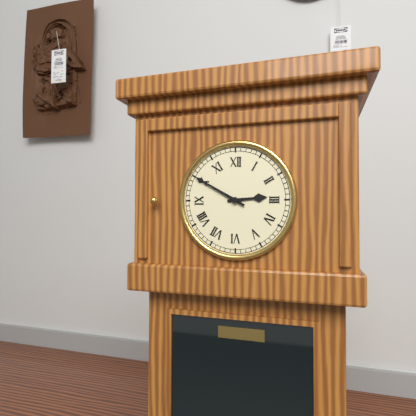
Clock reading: h=2 m=50
